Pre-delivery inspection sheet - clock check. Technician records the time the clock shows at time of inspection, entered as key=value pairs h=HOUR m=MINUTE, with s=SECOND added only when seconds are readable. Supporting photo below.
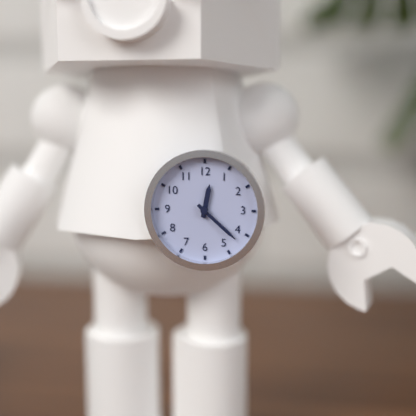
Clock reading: h=12 m=22
